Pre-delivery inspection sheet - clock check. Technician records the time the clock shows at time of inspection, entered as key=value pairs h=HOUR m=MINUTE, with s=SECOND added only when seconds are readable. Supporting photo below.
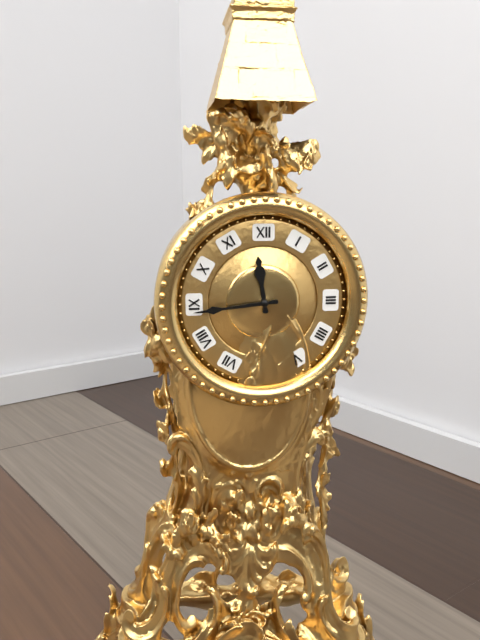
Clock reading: h=11 m=44
